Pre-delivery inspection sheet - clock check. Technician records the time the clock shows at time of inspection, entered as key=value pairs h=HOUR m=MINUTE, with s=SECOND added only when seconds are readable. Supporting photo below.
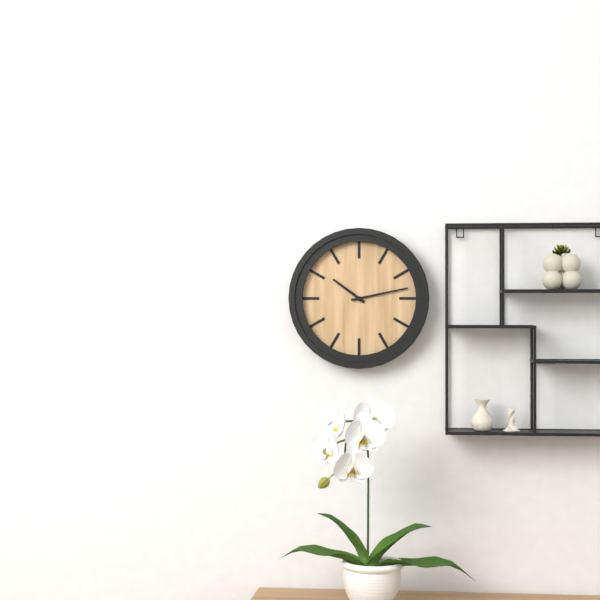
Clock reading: h=10 m=13
